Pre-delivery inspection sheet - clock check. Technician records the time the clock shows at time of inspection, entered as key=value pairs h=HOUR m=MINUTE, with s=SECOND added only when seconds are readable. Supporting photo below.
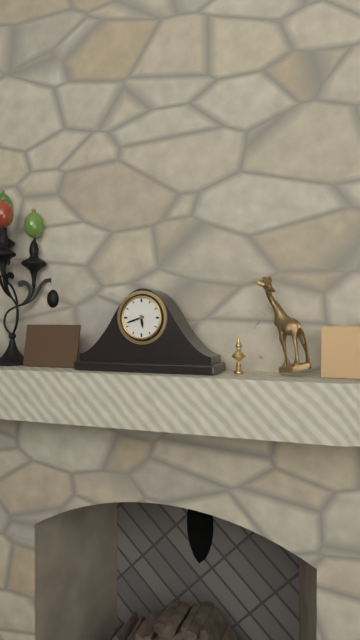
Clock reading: h=5 m=42
